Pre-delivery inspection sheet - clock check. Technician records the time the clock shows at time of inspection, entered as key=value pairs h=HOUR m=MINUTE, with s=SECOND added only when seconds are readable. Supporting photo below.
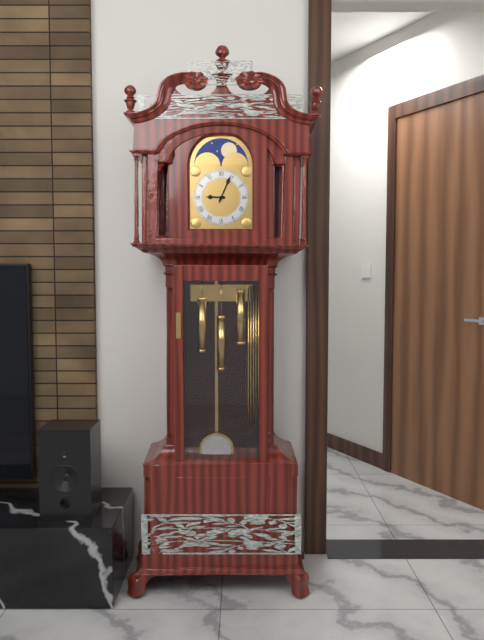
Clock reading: h=9 m=4
